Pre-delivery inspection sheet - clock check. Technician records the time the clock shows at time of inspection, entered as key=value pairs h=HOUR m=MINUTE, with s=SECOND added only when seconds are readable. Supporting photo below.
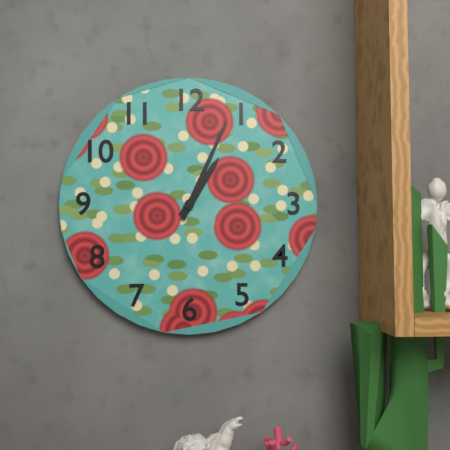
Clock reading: h=1 m=4
